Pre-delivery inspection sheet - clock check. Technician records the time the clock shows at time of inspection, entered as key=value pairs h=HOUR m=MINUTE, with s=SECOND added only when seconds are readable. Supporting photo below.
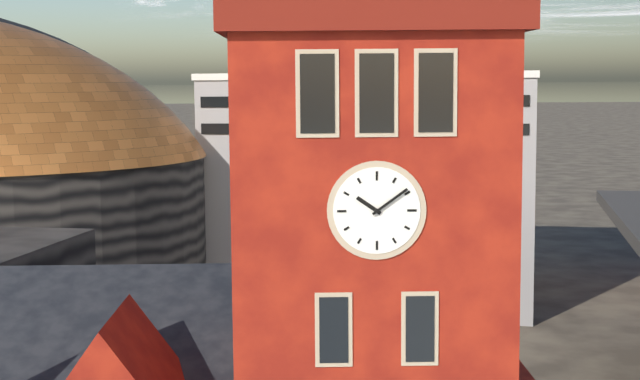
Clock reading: h=10 m=9
